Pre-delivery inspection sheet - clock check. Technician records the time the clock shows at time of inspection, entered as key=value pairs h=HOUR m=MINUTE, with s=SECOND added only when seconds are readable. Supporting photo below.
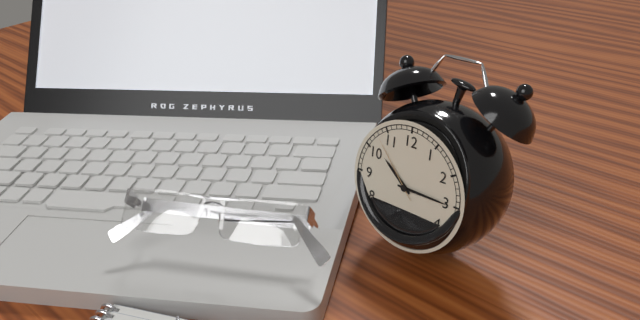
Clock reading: h=10 m=15 s=53
